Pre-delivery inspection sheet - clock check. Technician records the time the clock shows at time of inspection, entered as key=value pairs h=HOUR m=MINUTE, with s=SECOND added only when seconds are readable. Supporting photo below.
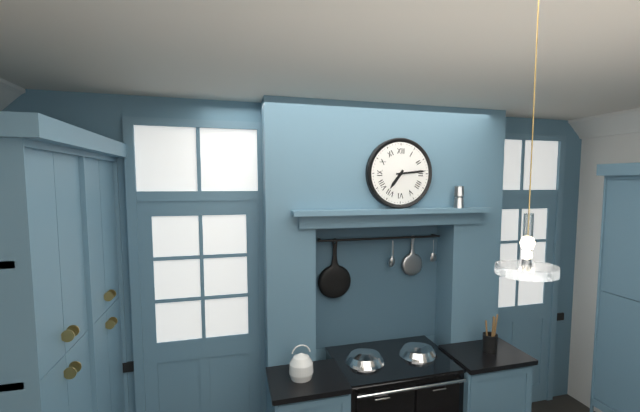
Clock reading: h=7 m=14
